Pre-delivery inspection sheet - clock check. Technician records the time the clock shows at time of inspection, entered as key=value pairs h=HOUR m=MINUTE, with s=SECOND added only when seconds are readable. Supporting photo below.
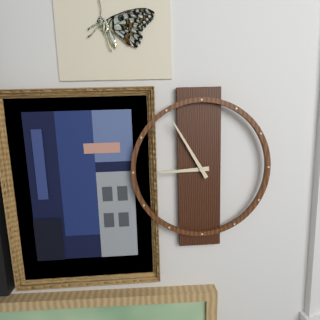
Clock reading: h=8 m=55
